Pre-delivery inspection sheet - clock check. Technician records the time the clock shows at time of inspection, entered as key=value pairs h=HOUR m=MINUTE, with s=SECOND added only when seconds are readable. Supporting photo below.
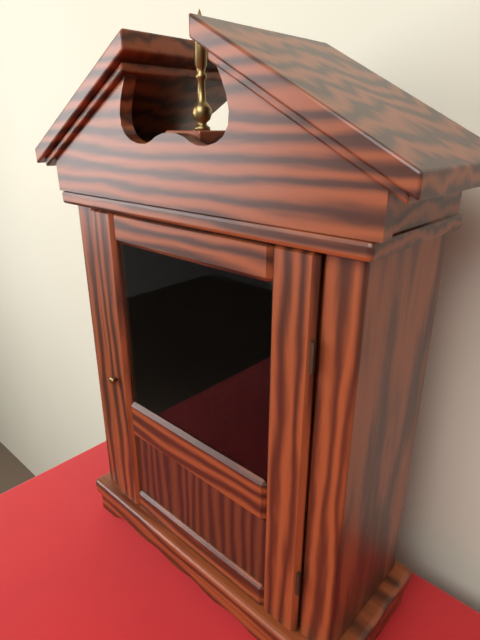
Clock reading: h=2 m=58
